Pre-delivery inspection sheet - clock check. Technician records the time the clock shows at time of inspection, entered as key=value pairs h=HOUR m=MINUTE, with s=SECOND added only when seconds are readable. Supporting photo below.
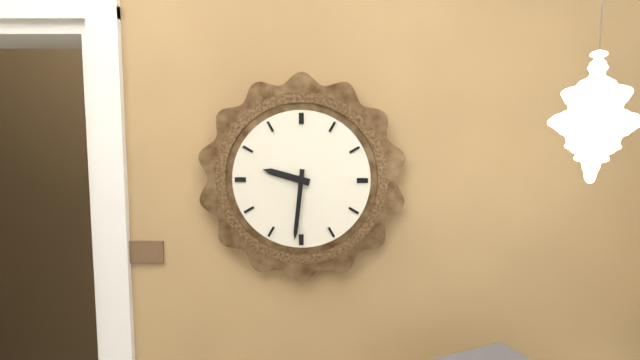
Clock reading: h=9 m=31
